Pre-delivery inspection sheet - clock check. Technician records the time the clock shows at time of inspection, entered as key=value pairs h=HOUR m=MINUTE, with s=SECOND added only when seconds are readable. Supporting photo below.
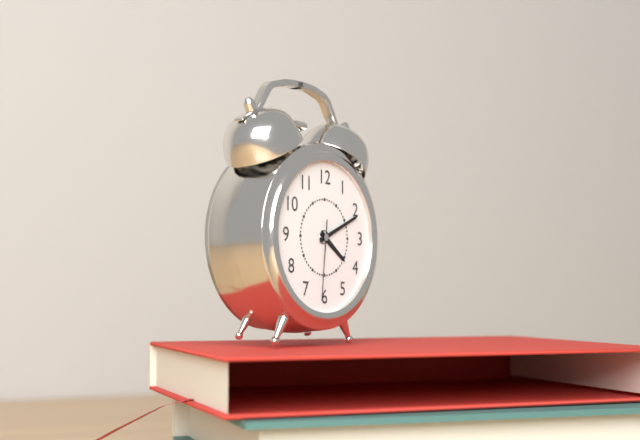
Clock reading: h=4 m=11 s=31
